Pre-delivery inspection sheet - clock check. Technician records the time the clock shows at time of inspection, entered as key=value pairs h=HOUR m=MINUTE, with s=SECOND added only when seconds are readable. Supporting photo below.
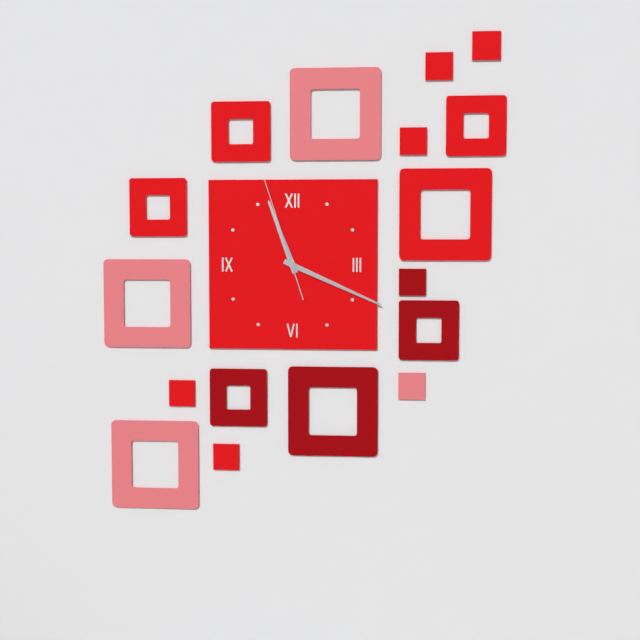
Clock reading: h=11 m=19 s=57
